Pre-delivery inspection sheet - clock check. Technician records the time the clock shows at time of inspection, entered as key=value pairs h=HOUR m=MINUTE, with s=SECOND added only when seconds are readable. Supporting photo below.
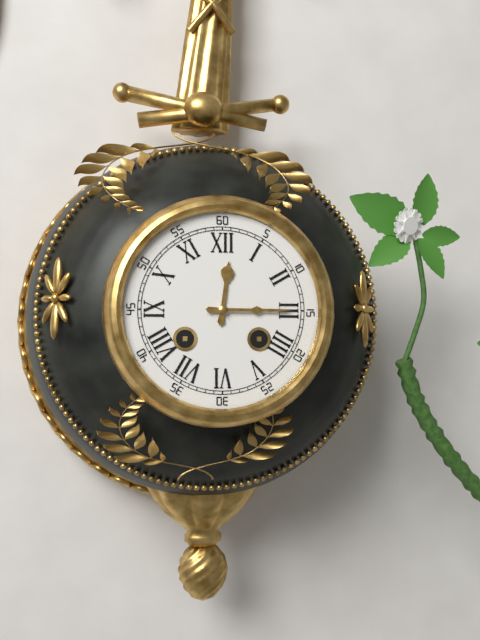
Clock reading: h=12 m=15
